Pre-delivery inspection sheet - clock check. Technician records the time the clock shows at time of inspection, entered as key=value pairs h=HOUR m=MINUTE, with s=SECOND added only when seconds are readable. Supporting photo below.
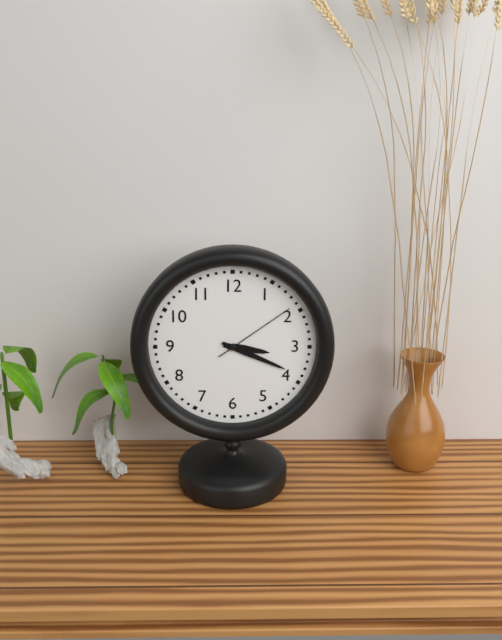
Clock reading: h=3 m=19 s=9
